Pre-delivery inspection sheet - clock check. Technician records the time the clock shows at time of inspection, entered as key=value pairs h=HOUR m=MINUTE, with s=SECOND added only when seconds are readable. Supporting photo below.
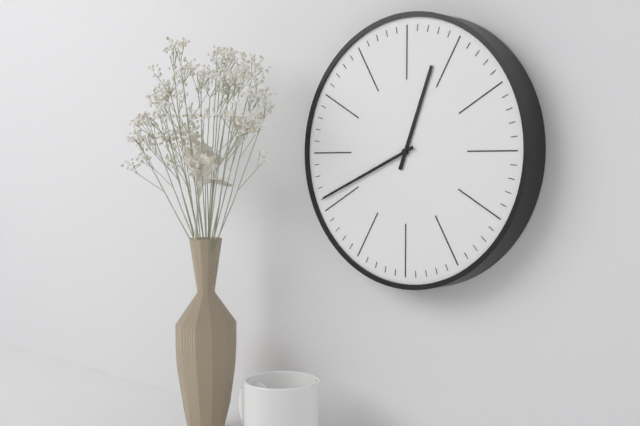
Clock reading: h=12 m=41
